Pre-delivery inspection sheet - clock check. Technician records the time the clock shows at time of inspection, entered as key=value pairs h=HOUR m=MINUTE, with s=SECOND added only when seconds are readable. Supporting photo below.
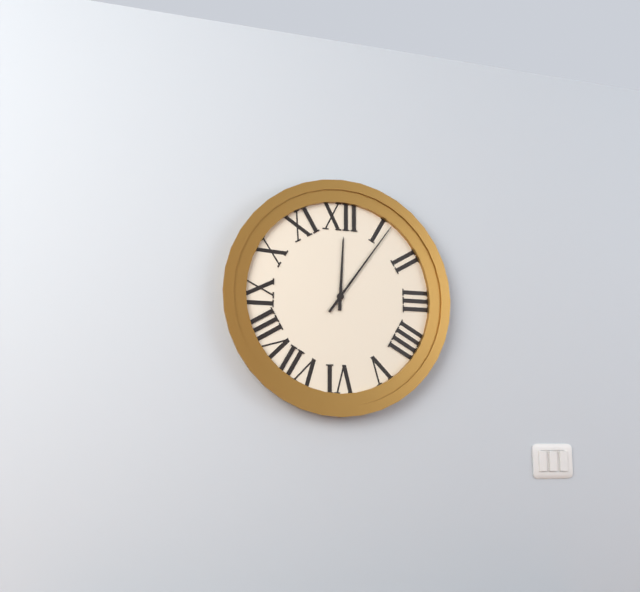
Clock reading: h=12 m=6
